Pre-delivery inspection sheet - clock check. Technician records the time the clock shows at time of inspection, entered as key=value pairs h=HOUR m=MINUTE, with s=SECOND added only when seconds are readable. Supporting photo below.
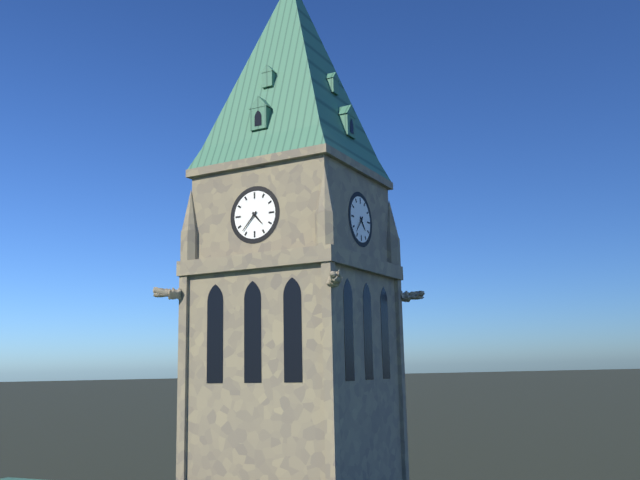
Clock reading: h=4 m=37
